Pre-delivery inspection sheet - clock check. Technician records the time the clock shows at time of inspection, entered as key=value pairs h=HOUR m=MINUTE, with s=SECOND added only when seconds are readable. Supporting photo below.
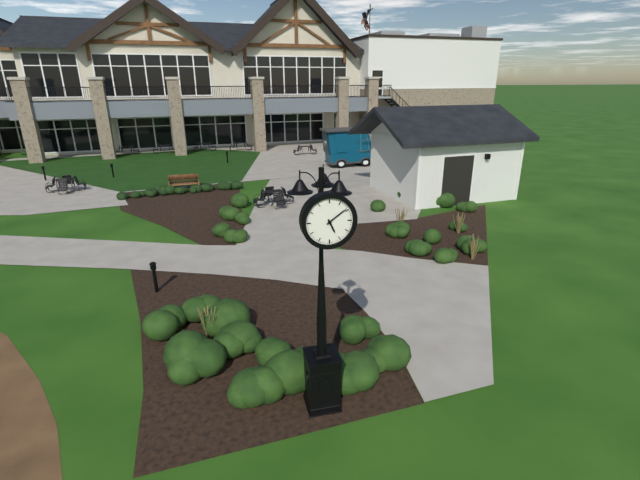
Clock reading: h=5 m=9
